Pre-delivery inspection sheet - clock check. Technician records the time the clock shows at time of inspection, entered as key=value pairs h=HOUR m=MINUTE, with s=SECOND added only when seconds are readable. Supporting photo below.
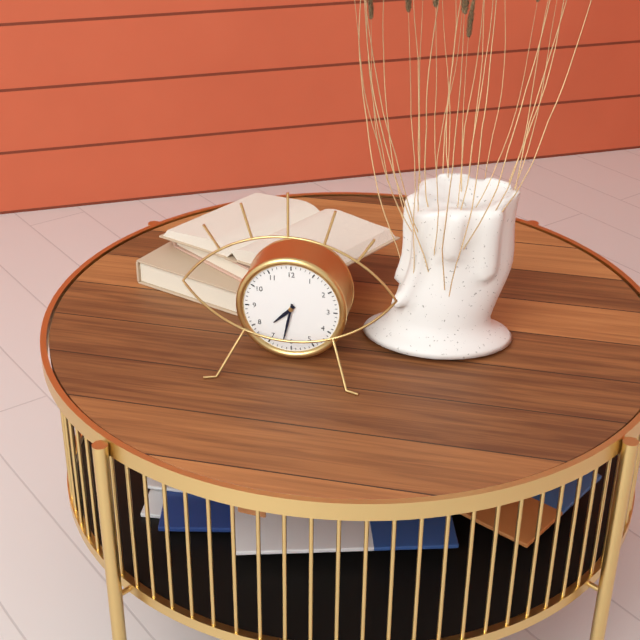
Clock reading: h=7 m=32
